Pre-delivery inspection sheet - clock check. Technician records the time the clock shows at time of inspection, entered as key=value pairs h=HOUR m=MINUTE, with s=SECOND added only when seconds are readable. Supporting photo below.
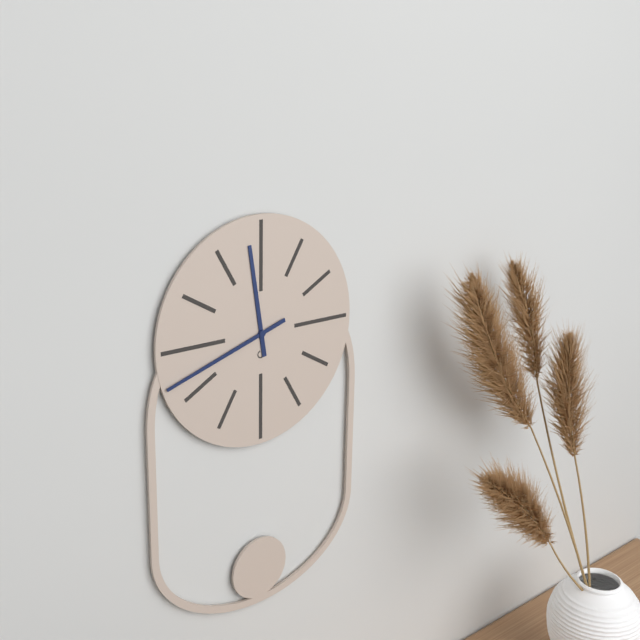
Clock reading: h=11 m=42
